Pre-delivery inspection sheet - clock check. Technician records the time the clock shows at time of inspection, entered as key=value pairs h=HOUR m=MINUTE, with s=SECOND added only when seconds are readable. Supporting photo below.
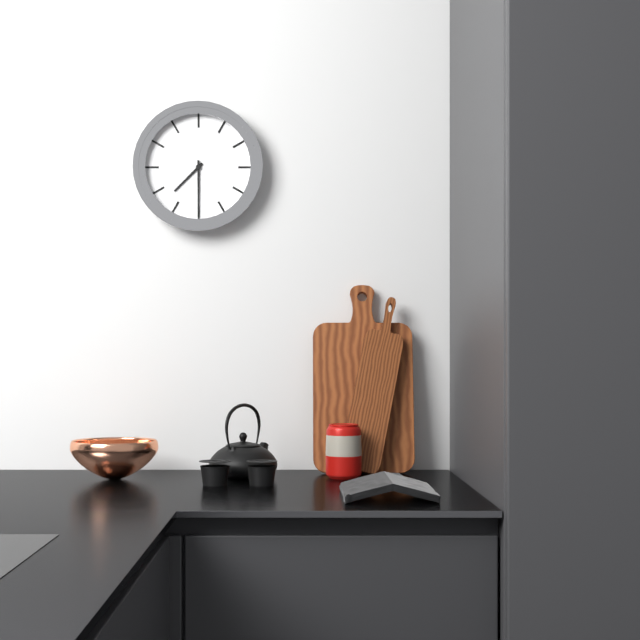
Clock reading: h=7 m=30
